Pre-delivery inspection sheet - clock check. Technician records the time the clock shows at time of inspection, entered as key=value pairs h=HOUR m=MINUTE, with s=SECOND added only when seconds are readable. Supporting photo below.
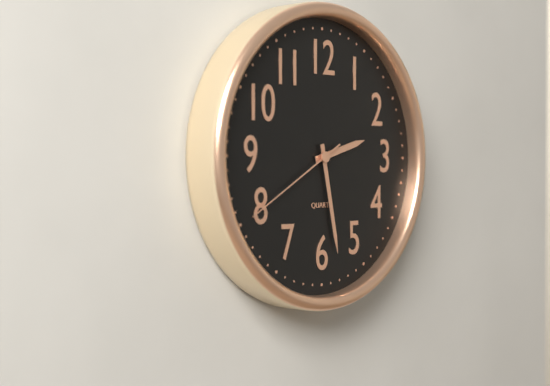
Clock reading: h=2 m=28 s=40
